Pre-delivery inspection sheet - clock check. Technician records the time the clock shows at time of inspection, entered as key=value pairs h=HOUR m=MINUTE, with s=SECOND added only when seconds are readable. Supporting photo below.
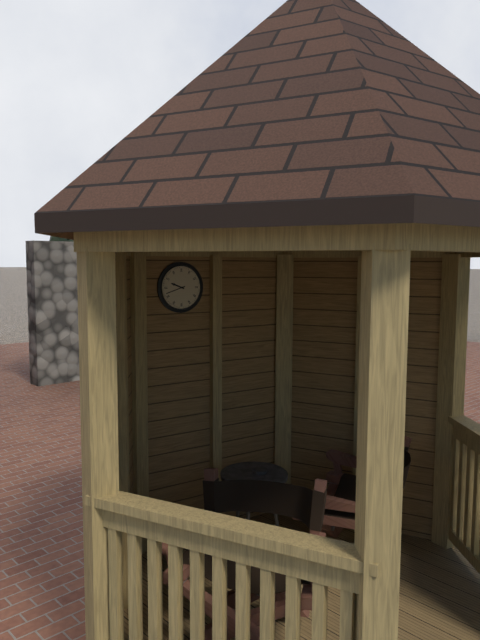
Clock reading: h=9 m=42
